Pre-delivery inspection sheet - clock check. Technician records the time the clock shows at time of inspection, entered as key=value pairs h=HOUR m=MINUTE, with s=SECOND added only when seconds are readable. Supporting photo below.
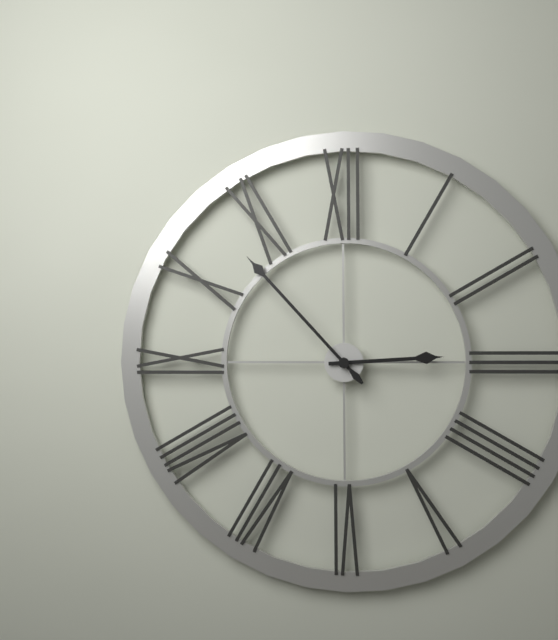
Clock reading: h=2 m=53
